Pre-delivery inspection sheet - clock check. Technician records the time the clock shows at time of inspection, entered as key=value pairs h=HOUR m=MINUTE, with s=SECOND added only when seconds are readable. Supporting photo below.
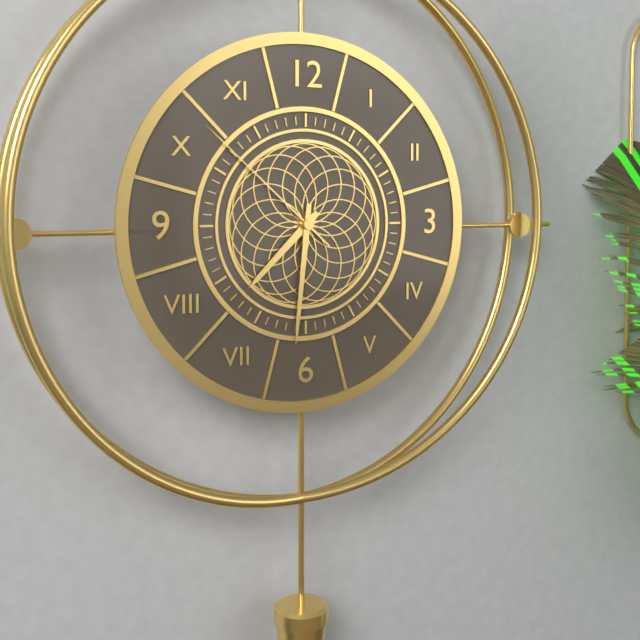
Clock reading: h=7 m=31 s=52
